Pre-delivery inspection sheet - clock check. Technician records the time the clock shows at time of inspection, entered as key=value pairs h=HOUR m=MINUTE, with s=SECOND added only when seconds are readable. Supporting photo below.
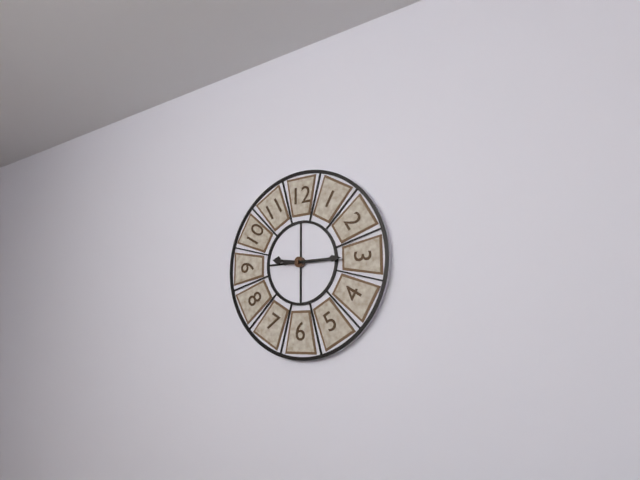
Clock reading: h=9 m=15
